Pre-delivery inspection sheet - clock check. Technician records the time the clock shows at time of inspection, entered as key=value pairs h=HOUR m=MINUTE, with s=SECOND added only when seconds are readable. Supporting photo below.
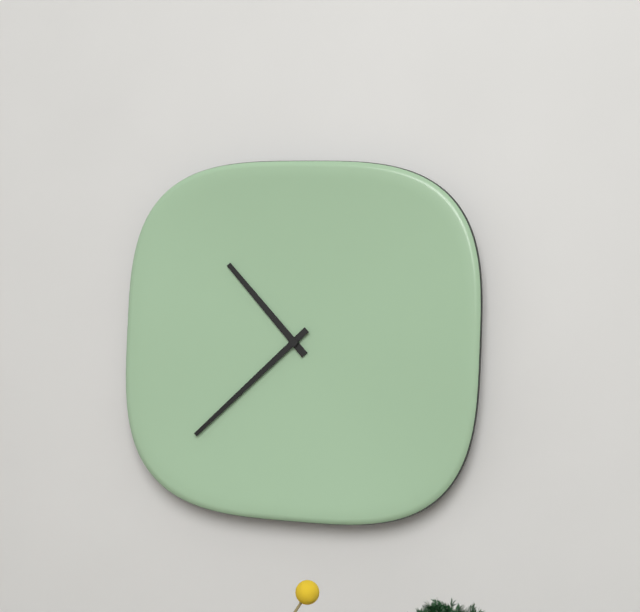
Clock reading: h=10 m=38
